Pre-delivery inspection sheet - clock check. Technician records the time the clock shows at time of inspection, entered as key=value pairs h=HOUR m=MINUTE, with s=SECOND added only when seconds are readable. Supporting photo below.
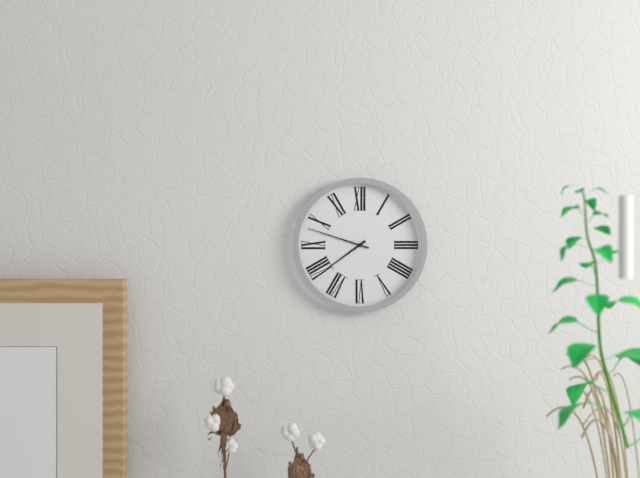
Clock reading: h=7 m=48
